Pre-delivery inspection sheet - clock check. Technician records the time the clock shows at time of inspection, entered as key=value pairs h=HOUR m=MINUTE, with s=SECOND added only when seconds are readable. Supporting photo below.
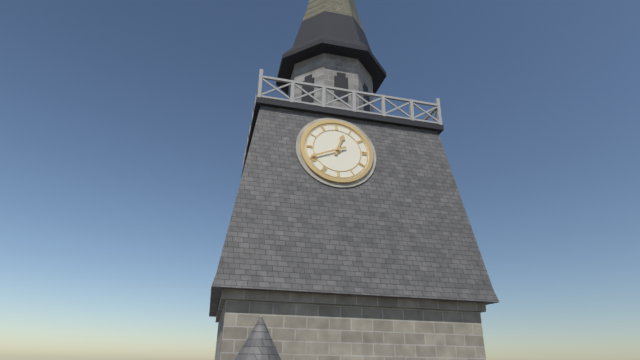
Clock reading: h=12 m=41
